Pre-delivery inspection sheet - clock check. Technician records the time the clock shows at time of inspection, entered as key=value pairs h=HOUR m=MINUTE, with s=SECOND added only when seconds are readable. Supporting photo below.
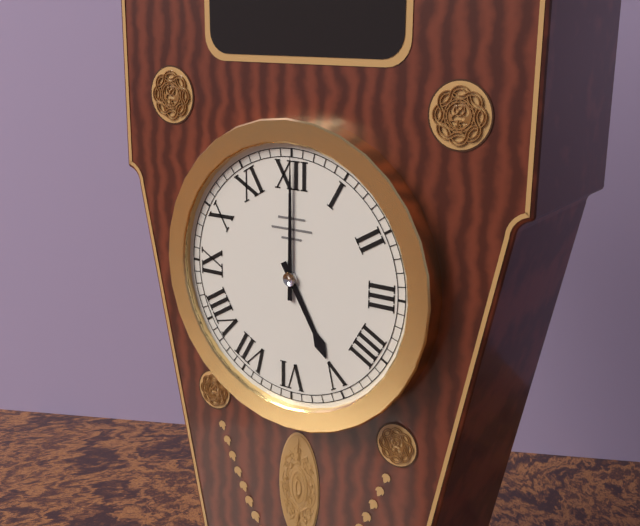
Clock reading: h=5 m=0
